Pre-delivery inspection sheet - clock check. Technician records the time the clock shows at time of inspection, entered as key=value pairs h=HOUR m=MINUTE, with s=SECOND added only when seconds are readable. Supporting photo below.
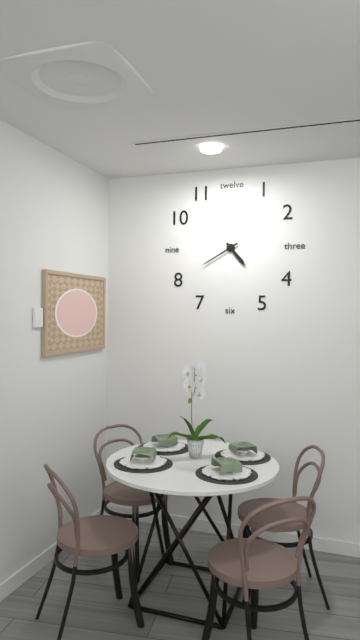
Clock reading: h=4 m=40
